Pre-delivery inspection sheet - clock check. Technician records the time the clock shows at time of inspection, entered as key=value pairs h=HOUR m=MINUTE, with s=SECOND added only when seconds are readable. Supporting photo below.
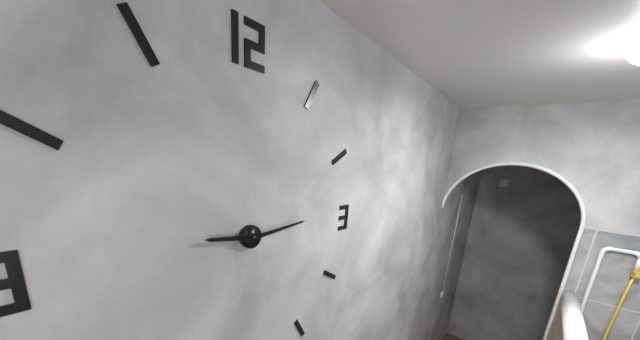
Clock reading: h=9 m=14
